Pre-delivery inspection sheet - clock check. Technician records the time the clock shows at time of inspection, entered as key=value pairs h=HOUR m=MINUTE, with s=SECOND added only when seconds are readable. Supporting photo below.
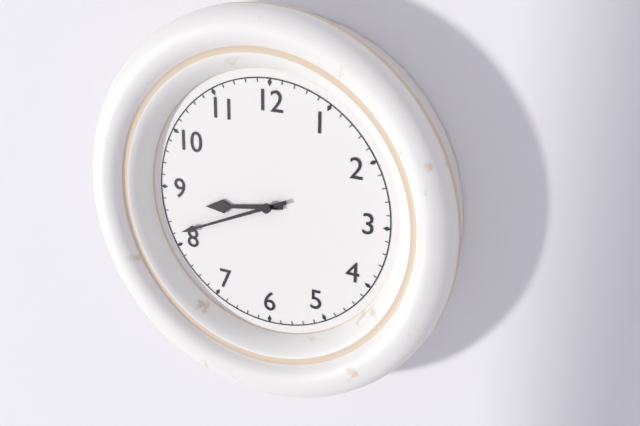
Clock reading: h=8 m=41
